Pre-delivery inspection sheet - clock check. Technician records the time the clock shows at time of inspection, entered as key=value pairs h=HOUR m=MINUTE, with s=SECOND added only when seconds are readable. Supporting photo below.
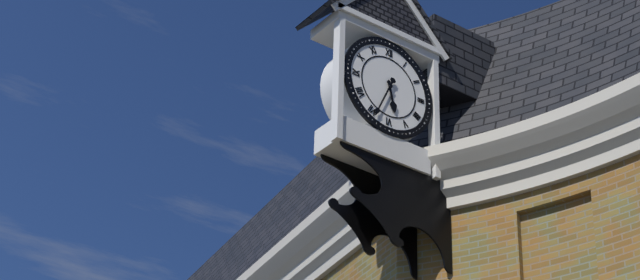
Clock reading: h=5 m=34
